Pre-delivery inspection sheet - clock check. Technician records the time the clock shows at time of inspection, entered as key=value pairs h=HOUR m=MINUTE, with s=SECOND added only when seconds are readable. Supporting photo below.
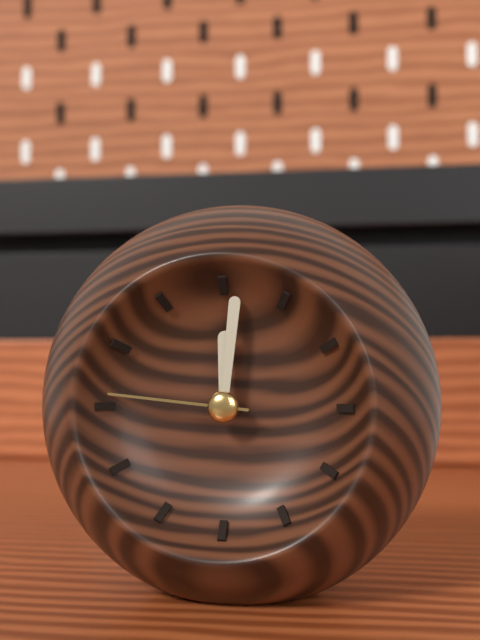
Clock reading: h=12 m=1 s=46
